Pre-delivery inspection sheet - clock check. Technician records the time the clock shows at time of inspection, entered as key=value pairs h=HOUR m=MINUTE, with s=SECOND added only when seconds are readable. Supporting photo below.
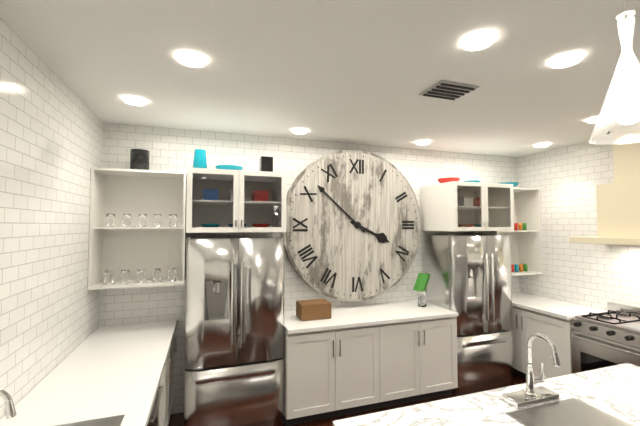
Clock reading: h=3 m=52
